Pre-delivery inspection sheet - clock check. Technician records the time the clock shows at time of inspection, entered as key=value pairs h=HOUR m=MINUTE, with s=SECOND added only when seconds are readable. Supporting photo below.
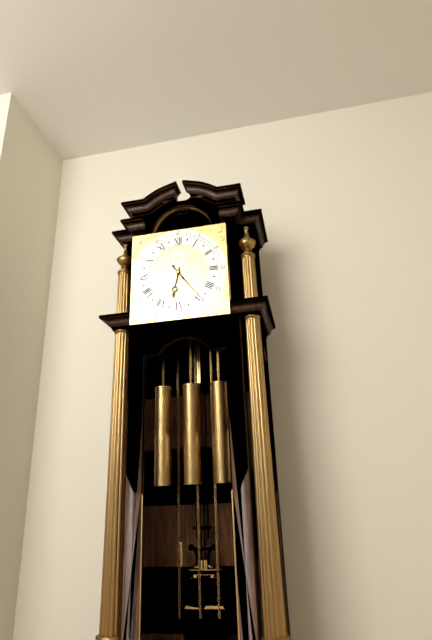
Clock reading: h=6 m=24
